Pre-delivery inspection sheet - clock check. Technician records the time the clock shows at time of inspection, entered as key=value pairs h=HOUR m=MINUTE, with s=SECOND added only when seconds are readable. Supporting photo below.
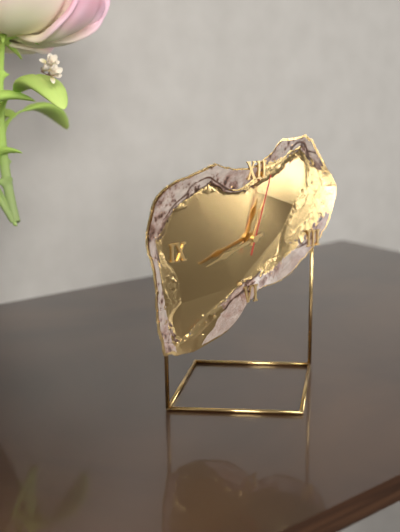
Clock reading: h=12 m=42 s=3
